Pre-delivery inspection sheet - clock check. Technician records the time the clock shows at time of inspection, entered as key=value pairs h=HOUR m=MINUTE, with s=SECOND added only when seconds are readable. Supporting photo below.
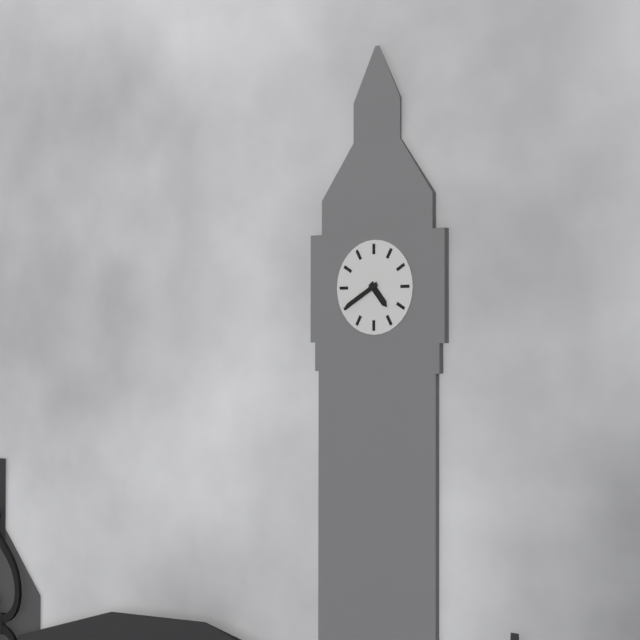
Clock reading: h=4 m=40
